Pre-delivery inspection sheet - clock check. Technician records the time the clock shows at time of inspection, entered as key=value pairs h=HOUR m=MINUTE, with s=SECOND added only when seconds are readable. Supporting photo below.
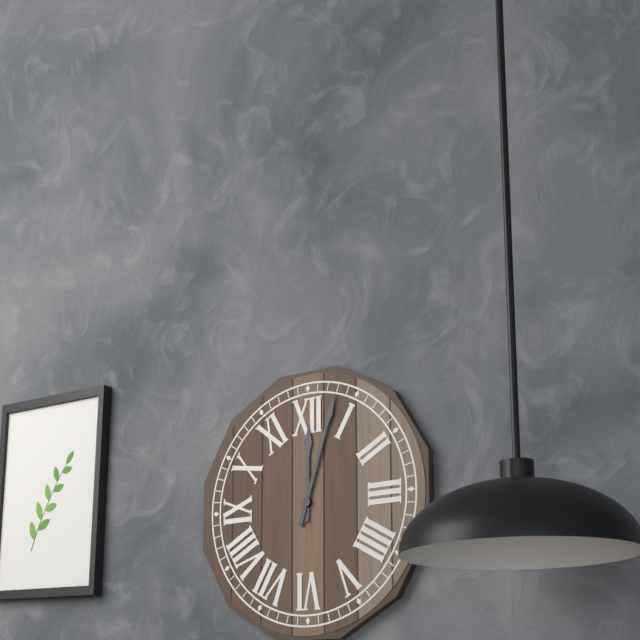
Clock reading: h=12 m=3
